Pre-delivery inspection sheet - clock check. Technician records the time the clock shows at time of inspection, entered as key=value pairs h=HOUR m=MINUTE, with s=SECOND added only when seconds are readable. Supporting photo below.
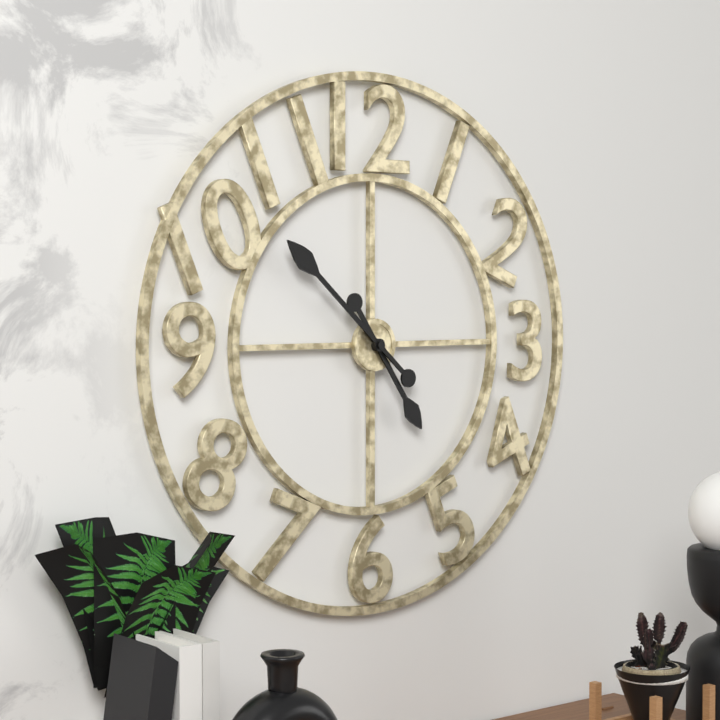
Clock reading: h=4 m=52
